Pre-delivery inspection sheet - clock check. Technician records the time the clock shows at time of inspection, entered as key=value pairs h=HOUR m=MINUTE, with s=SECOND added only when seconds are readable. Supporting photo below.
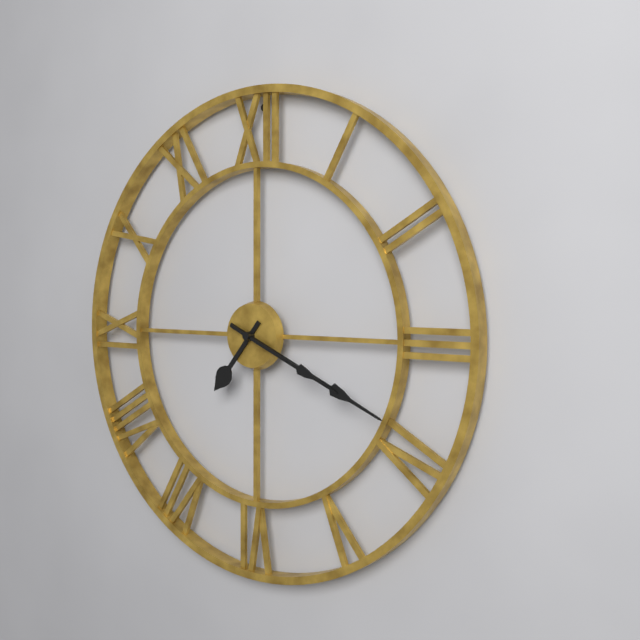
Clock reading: h=7 m=19 s=19
